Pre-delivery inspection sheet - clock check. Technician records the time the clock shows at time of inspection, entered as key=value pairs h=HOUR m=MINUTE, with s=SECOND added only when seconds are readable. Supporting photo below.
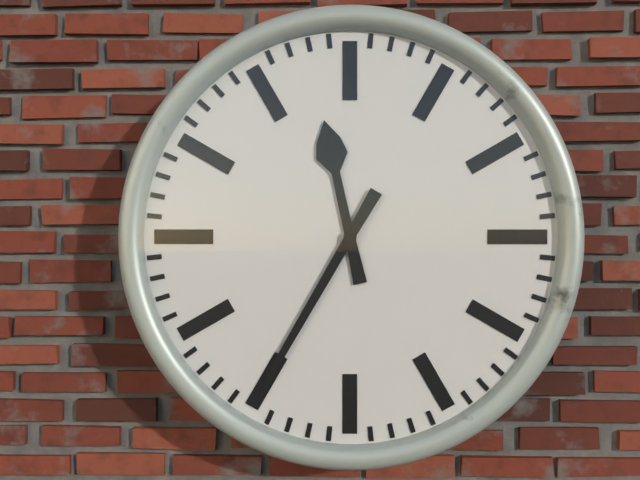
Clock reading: h=11 m=35
